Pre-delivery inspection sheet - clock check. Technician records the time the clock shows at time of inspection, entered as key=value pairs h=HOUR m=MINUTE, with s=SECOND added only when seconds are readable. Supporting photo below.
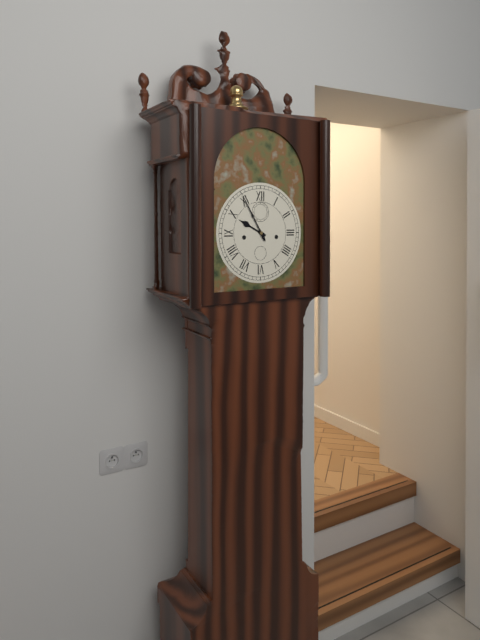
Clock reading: h=9 m=55
